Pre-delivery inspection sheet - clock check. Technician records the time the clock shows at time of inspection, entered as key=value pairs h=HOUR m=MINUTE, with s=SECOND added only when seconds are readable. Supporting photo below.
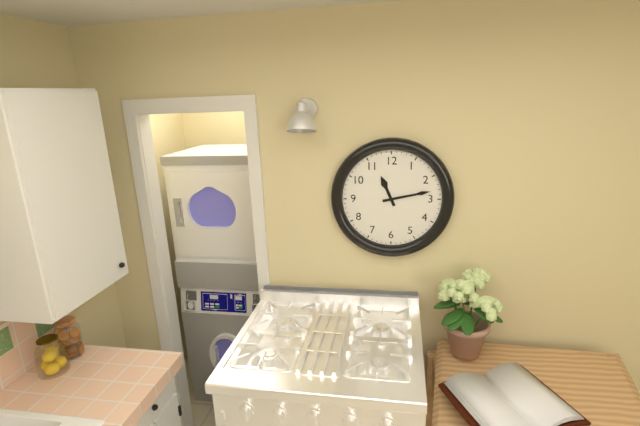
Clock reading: h=11 m=13
